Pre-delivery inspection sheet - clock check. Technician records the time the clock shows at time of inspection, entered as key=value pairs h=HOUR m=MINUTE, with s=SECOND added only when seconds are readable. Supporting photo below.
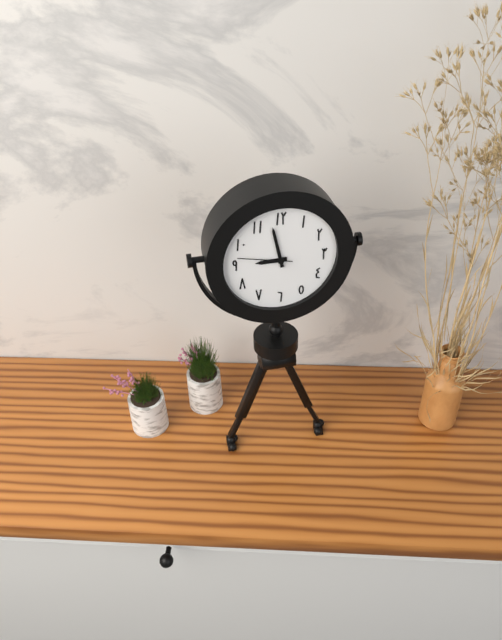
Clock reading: h=8 m=58 s=47
